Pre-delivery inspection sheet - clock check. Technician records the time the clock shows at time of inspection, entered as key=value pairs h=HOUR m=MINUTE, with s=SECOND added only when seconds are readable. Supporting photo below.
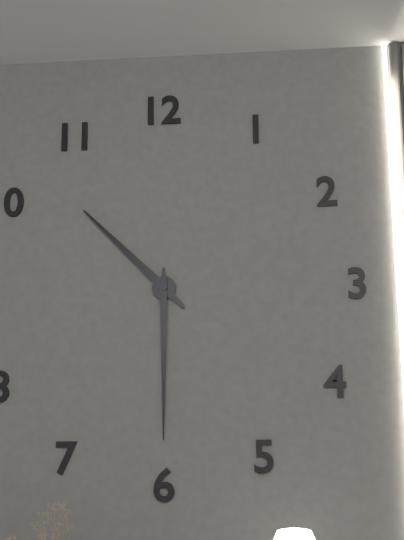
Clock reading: h=10 m=30
